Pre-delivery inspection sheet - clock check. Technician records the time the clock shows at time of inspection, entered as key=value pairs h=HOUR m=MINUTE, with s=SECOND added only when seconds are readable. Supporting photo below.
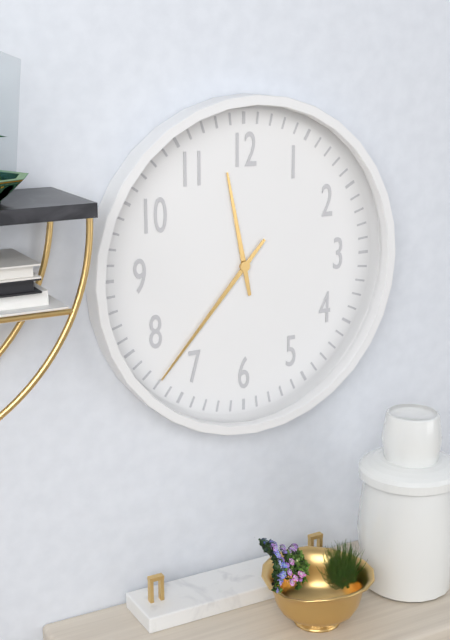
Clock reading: h=11 m=37
